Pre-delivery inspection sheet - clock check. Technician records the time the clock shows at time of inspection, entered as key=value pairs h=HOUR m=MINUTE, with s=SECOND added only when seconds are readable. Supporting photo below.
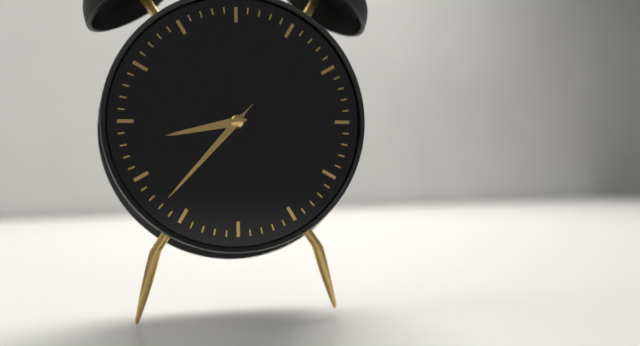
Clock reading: h=8 m=37 s=37
